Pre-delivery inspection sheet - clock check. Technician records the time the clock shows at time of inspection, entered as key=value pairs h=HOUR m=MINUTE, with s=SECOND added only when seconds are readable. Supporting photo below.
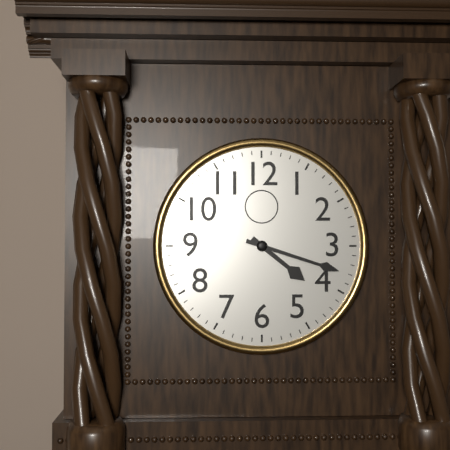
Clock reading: h=4 m=18
